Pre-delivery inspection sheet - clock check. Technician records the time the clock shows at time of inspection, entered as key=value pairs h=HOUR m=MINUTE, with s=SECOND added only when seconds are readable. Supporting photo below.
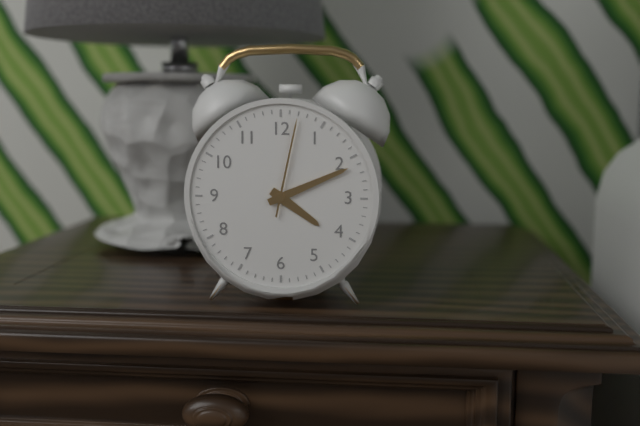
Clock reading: h=4 m=11 s=2
